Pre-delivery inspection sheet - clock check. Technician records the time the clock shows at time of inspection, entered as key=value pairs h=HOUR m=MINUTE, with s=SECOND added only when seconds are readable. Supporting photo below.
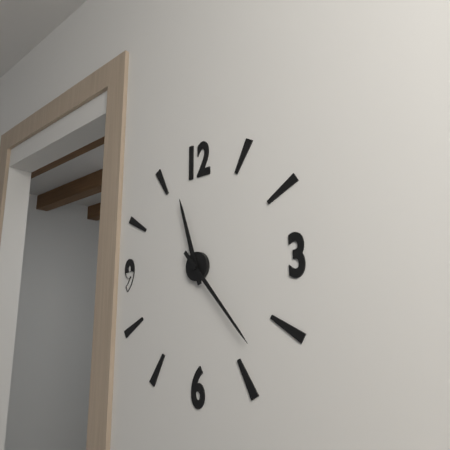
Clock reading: h=11 m=23
